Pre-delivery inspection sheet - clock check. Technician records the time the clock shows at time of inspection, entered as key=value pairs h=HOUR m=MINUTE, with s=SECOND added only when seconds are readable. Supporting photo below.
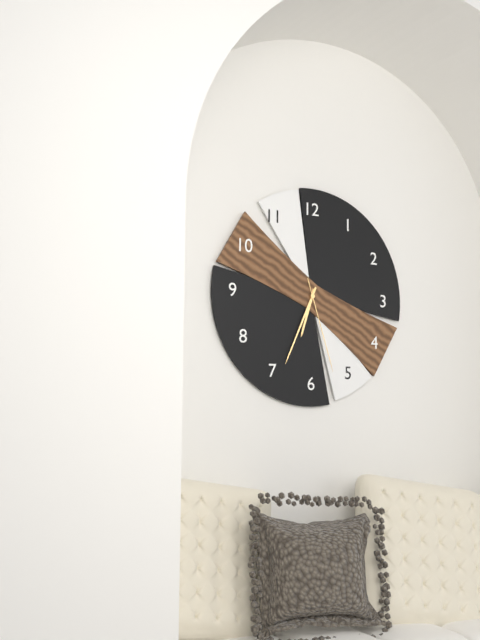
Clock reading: h=6 m=34 s=27
